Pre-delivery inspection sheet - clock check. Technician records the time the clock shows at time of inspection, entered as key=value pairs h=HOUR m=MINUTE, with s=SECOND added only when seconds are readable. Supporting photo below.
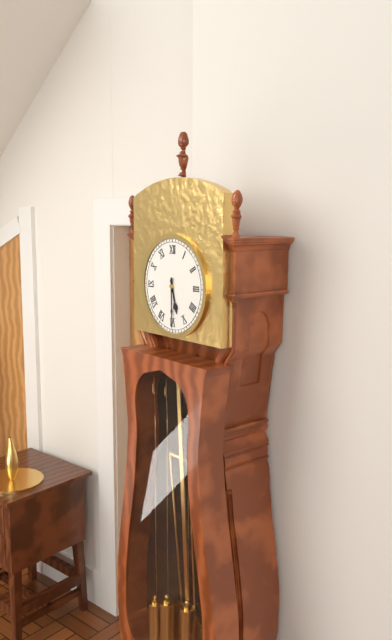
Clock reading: h=5 m=30
